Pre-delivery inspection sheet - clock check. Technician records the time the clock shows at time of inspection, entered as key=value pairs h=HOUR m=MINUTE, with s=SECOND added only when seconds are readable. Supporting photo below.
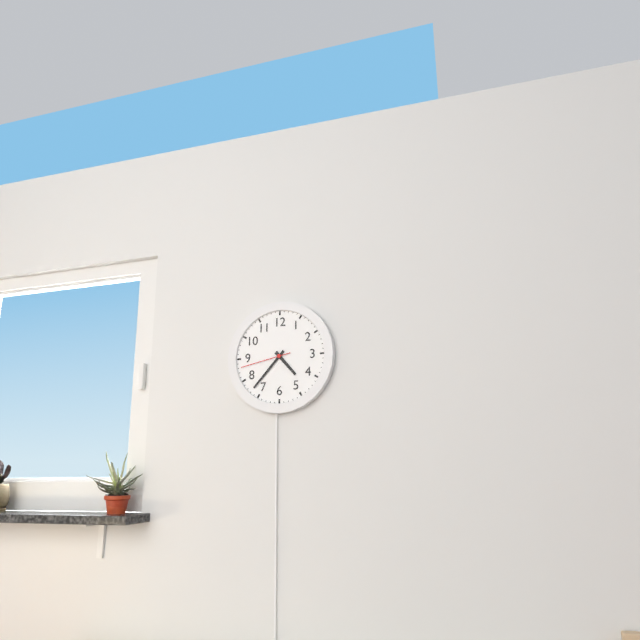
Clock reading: h=4 m=37
